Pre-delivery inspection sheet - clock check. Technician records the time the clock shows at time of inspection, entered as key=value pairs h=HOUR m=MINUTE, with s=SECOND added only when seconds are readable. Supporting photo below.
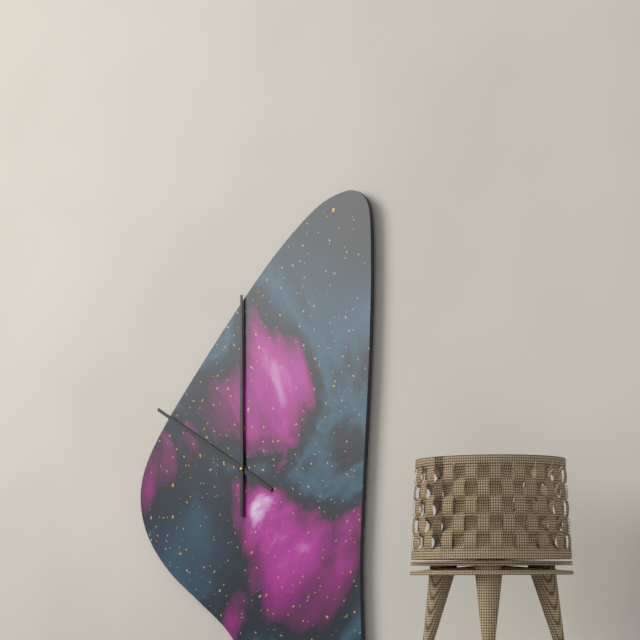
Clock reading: h=10 m=0
